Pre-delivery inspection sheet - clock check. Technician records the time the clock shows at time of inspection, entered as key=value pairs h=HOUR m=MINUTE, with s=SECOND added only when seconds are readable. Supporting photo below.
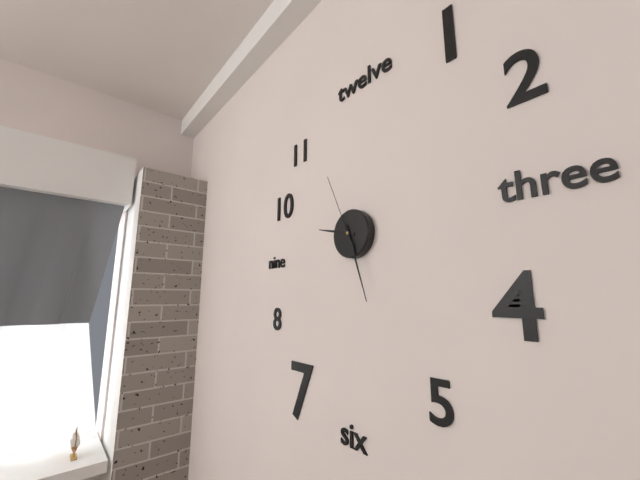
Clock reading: h=9 m=27 s=56
